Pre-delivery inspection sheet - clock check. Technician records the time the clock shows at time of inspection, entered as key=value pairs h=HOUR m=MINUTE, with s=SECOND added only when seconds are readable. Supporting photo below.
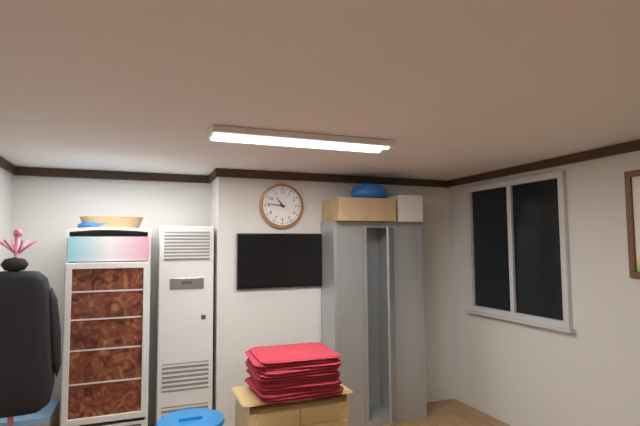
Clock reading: h=10 m=46
